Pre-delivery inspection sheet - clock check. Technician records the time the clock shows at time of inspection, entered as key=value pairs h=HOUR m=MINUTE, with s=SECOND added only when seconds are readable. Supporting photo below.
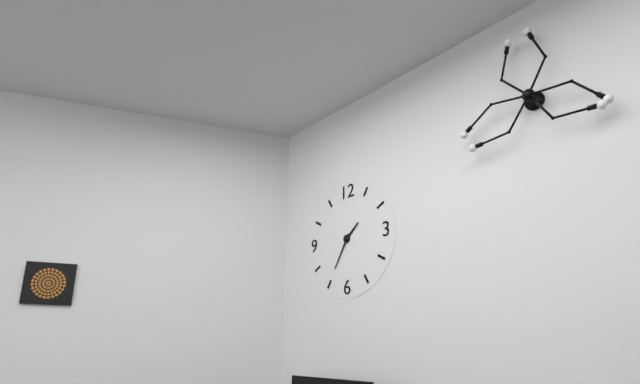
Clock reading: h=1 m=35
